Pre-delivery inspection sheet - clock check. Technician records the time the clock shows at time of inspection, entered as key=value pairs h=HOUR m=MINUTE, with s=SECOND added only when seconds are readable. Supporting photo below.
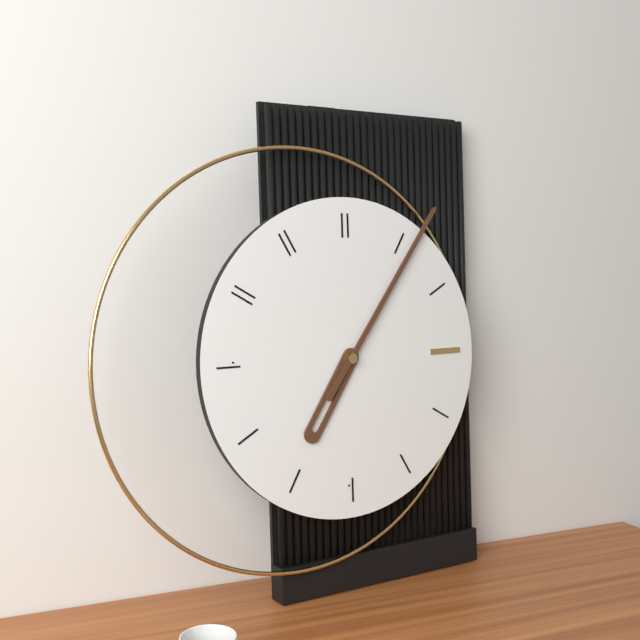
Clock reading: h=7 m=6
